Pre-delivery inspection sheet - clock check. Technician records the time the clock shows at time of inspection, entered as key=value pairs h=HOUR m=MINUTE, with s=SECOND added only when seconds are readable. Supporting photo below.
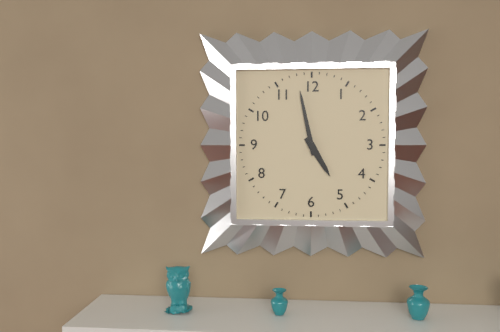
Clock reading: h=4 m=58
